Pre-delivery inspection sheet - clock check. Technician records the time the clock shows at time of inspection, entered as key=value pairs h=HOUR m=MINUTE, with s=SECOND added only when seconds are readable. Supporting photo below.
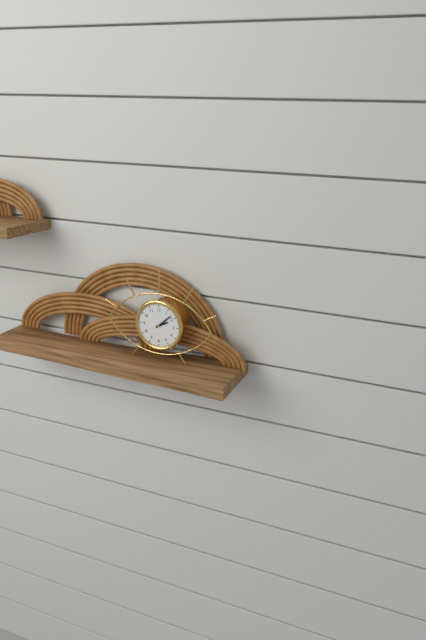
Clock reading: h=2 m=8
